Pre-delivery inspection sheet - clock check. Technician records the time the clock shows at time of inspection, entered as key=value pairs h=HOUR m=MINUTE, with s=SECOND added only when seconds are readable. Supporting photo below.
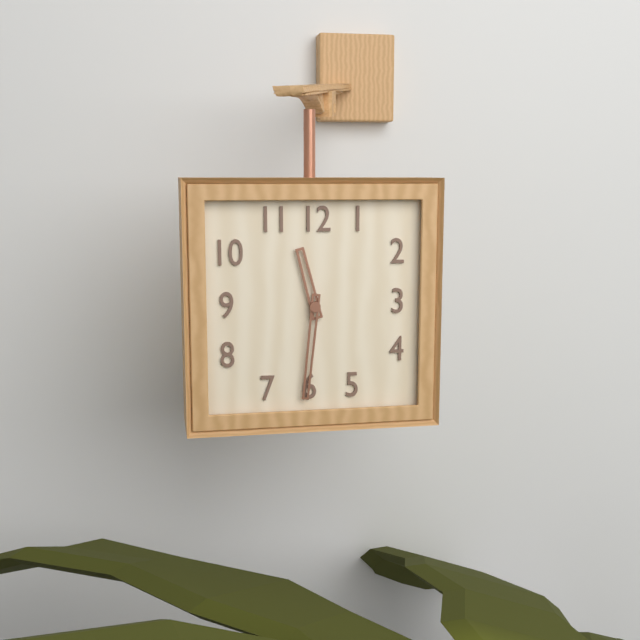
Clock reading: h=11 m=31
